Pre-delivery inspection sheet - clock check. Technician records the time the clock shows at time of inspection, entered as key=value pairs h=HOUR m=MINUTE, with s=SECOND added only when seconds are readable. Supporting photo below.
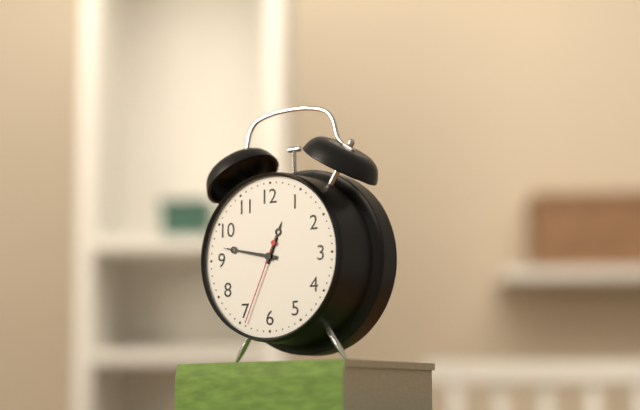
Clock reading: h=12 m=47 s=34
